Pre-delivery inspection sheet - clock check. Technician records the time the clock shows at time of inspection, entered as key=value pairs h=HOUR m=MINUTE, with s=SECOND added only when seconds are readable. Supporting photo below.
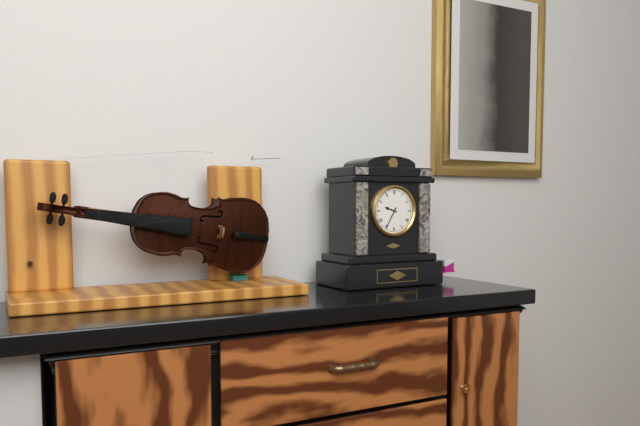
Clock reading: h=9 m=35
